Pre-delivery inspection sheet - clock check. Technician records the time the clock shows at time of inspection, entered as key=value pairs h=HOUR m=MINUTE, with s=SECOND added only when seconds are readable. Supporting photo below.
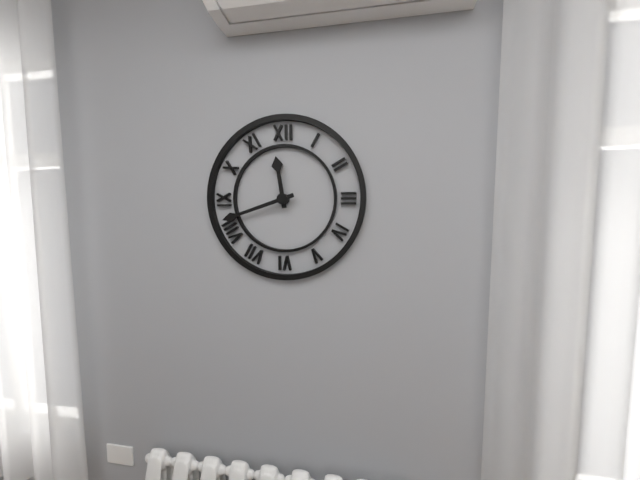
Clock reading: h=11 m=42
